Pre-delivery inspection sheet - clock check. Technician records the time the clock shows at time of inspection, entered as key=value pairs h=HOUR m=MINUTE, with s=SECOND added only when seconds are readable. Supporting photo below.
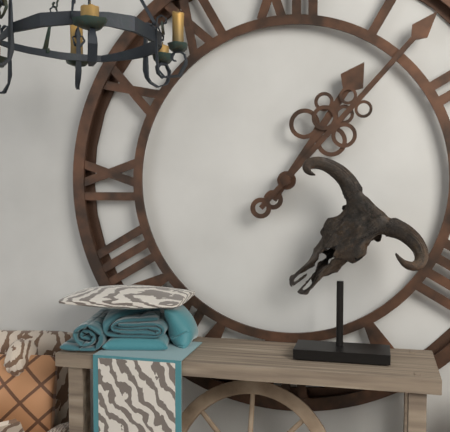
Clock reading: h=1 m=7
